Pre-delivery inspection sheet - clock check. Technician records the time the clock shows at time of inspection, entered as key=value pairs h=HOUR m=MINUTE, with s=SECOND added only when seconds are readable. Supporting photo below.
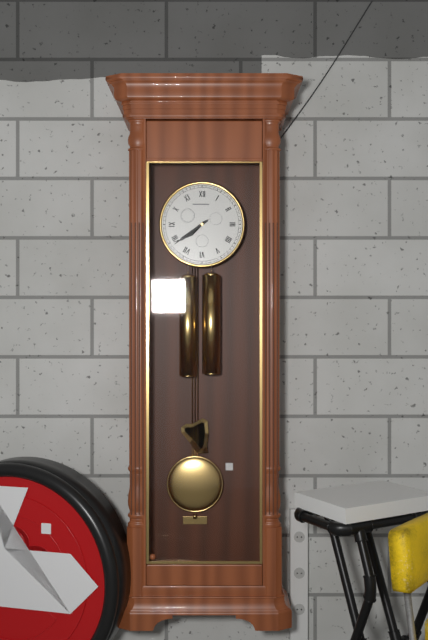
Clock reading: h=7 m=39
